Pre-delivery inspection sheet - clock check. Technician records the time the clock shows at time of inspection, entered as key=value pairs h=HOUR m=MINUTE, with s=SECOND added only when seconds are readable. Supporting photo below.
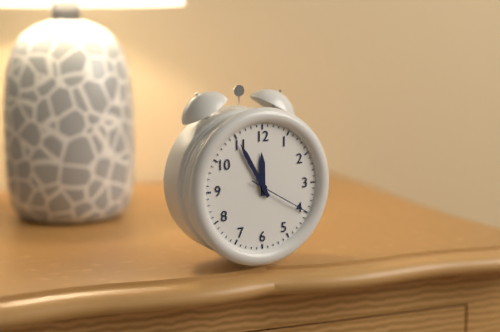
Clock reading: h=11 m=55 s=20
